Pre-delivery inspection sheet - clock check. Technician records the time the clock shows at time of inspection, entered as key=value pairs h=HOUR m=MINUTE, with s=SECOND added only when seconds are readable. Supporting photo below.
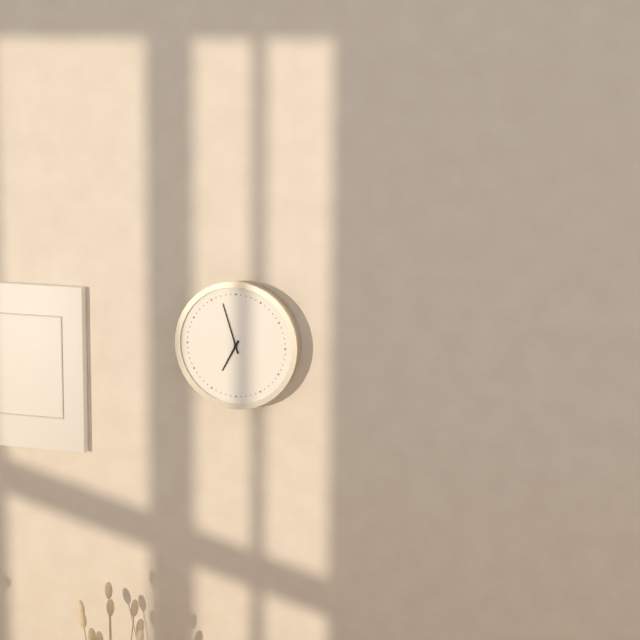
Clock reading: h=6 m=57
